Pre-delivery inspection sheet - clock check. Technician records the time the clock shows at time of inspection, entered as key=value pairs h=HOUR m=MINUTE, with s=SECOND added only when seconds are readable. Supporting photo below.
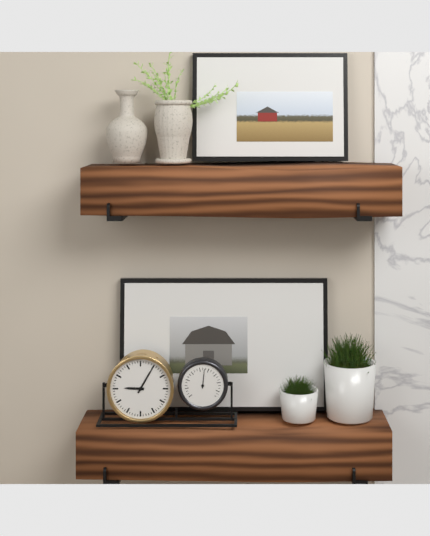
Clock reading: h=9 m=5
